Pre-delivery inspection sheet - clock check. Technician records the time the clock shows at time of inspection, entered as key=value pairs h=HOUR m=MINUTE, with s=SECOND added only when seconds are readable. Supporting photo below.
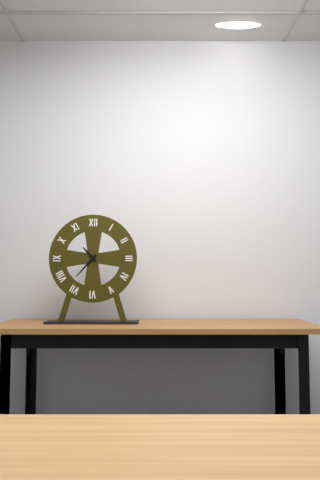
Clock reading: h=10 m=37
